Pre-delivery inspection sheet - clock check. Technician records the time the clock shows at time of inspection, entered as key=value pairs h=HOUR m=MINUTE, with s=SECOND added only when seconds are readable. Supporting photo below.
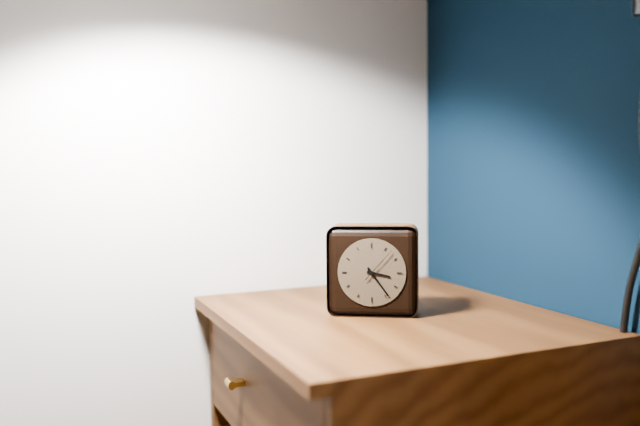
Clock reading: h=3 m=24
